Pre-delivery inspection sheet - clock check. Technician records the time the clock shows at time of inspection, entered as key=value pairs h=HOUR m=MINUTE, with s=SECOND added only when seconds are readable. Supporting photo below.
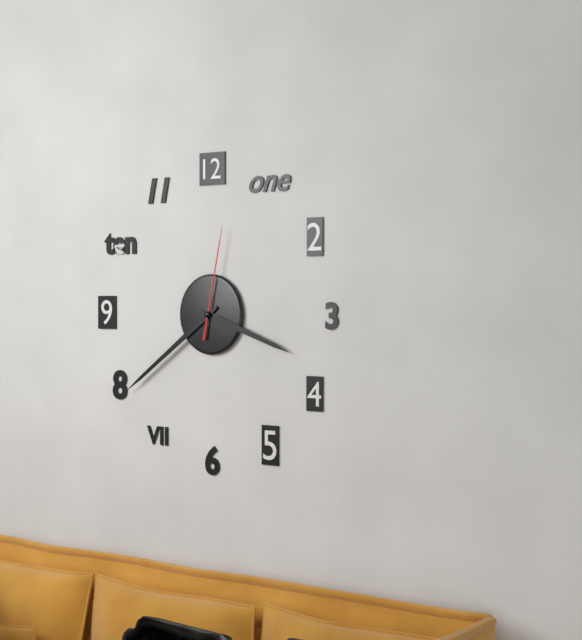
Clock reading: h=3 m=39 s=2
